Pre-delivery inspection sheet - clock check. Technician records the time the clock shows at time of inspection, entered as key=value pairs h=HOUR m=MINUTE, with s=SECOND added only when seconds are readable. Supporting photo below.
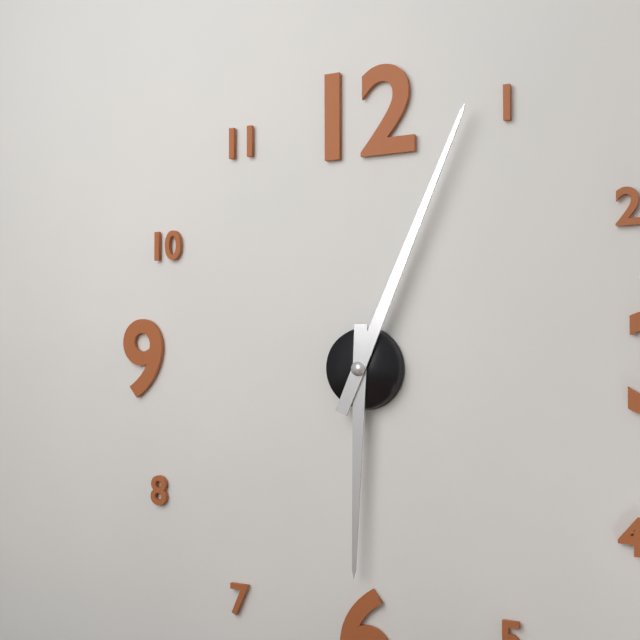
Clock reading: h=6 m=4
